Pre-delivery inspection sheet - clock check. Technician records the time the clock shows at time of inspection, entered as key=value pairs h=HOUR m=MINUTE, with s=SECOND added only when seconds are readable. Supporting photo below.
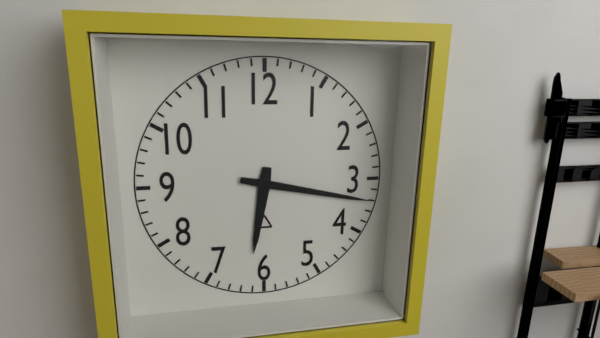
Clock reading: h=6 m=17
